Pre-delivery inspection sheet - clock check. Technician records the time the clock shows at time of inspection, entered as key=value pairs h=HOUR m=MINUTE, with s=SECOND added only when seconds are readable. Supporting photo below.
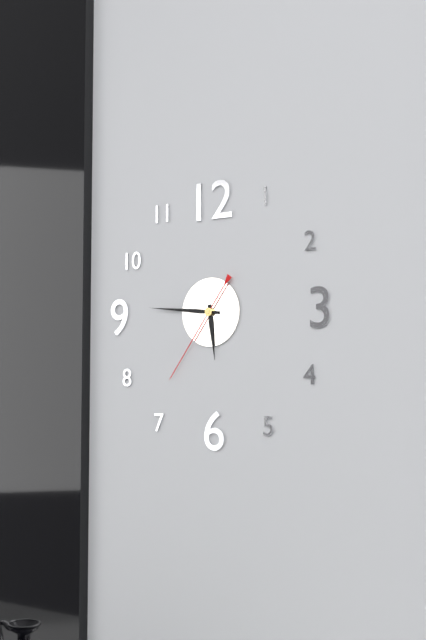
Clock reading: h=5 m=46 s=36
